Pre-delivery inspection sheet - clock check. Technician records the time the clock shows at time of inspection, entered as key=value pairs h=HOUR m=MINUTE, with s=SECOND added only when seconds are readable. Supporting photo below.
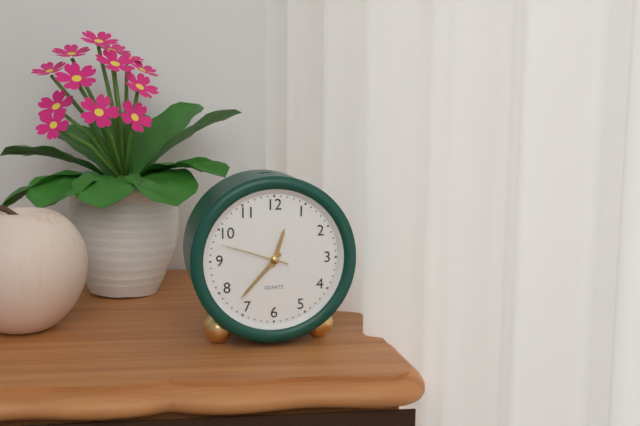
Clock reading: h=12 m=37 s=48
